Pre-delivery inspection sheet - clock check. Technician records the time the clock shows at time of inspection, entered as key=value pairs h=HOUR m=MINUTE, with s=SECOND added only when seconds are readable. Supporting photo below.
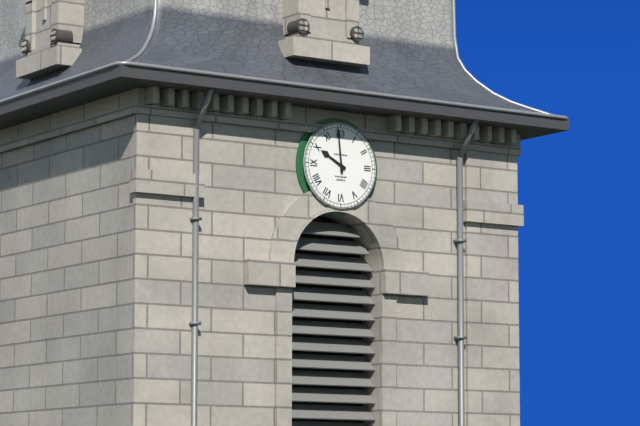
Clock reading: h=9 m=59
